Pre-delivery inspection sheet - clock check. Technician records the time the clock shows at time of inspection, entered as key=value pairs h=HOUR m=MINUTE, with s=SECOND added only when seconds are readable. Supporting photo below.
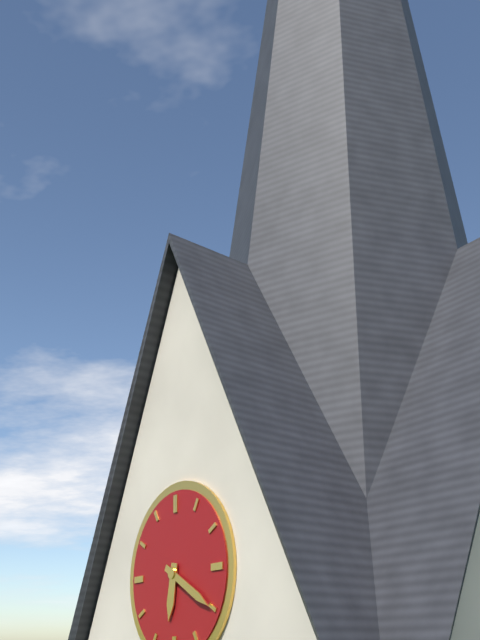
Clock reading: h=6 m=20
